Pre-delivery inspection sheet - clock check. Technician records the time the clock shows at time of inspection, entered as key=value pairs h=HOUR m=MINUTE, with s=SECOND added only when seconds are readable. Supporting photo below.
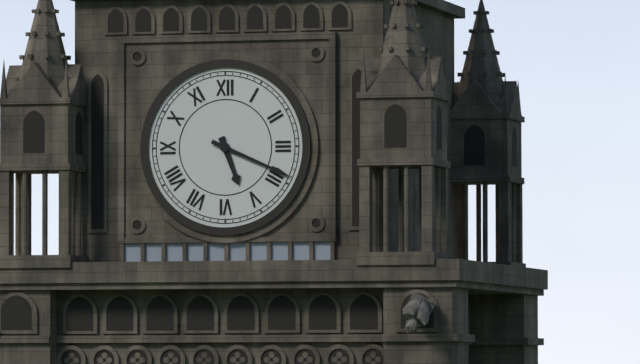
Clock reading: h=5 m=19
